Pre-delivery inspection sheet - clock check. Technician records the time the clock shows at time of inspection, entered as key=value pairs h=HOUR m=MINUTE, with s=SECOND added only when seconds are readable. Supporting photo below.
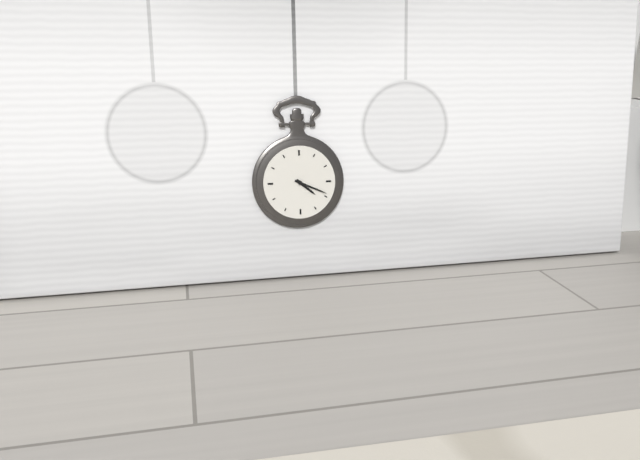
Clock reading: h=4 m=19
